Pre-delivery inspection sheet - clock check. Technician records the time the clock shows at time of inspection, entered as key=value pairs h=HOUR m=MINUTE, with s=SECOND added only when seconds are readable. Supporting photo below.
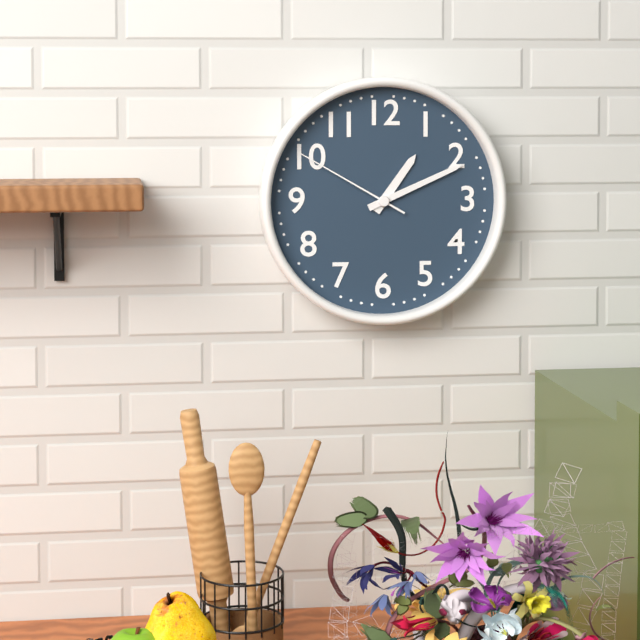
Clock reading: h=1 m=11 s=50
